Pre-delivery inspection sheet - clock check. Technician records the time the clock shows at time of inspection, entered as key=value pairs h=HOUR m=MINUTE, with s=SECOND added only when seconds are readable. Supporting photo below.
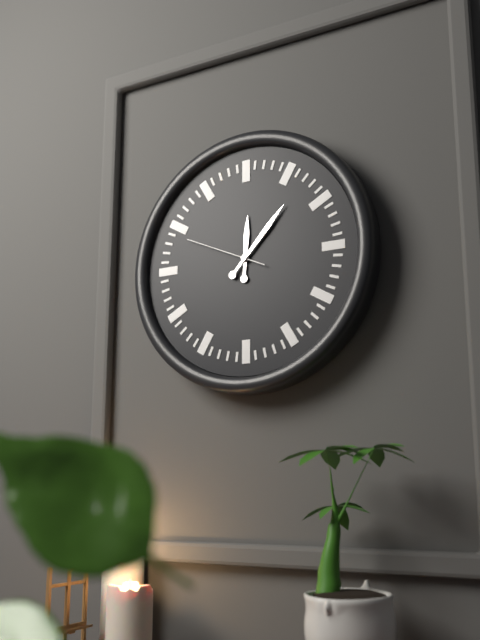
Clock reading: h=12 m=7 s=49
